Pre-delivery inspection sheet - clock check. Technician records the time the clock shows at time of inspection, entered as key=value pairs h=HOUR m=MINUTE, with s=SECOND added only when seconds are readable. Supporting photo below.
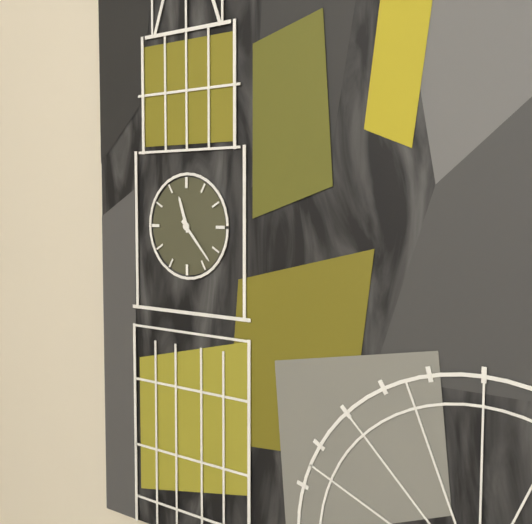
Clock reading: h=11 m=23
